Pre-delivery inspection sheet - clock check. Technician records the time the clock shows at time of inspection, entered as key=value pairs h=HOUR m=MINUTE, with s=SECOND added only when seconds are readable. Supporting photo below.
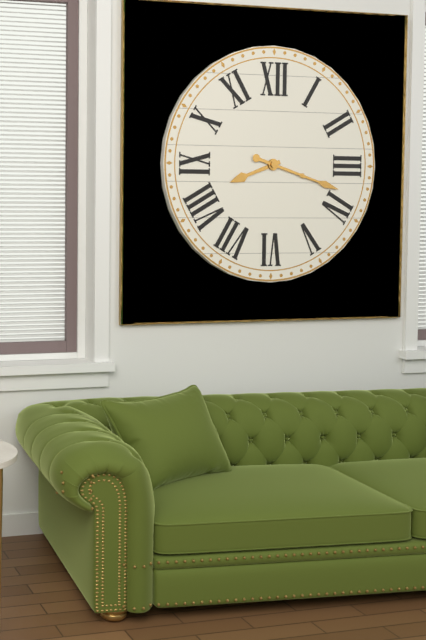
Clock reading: h=8 m=18
